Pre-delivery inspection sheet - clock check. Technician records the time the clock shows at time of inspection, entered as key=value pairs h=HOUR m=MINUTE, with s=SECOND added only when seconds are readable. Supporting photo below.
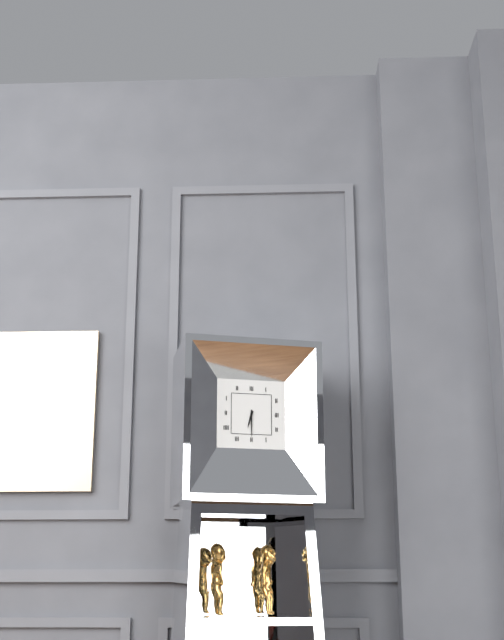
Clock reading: h=6 m=30
